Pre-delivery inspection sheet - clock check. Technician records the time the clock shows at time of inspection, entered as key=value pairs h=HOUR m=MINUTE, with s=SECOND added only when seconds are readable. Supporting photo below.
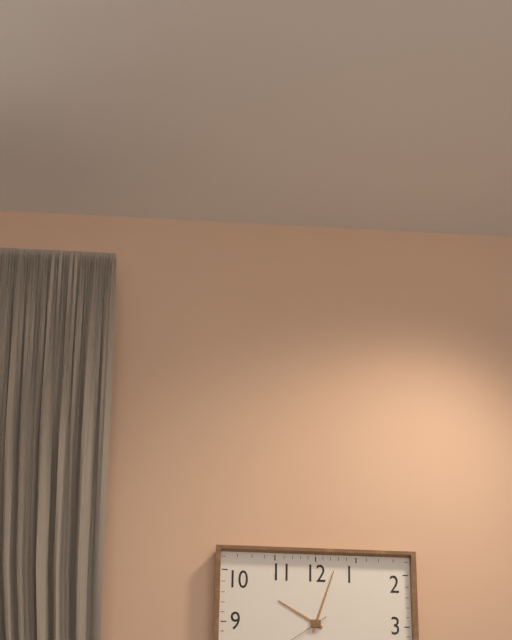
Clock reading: h=10 m=3
